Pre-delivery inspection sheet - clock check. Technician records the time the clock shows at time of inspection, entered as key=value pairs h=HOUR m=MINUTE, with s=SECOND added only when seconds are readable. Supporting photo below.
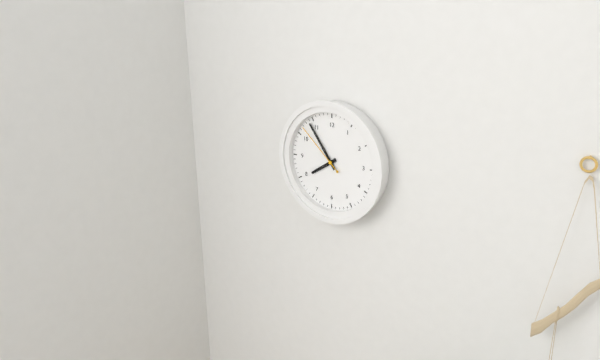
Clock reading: h=7 m=54 s=52
